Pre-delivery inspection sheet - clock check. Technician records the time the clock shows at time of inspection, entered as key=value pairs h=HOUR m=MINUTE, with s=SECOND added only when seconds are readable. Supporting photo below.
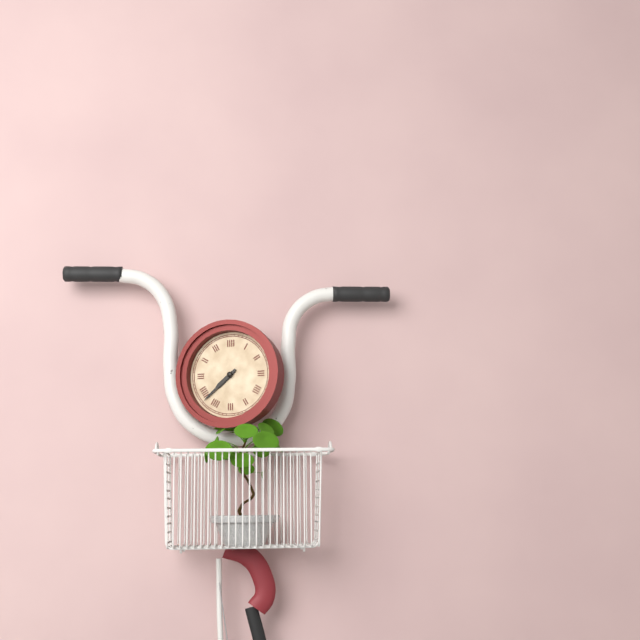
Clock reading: h=7 m=38
